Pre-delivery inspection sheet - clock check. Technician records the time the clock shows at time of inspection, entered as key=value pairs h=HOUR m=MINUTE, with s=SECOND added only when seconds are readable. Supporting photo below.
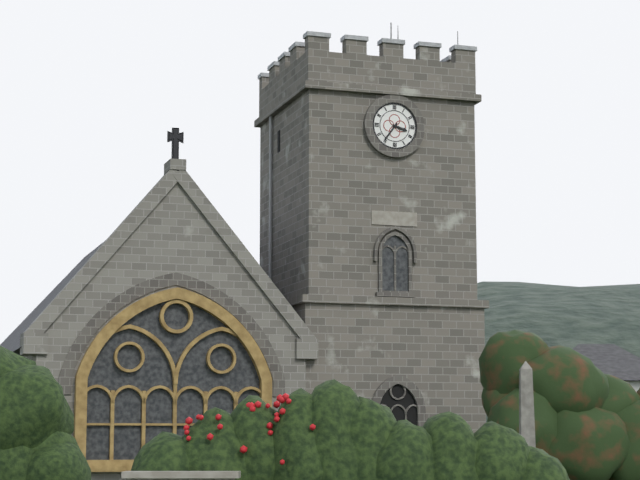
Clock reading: h=3 m=36
